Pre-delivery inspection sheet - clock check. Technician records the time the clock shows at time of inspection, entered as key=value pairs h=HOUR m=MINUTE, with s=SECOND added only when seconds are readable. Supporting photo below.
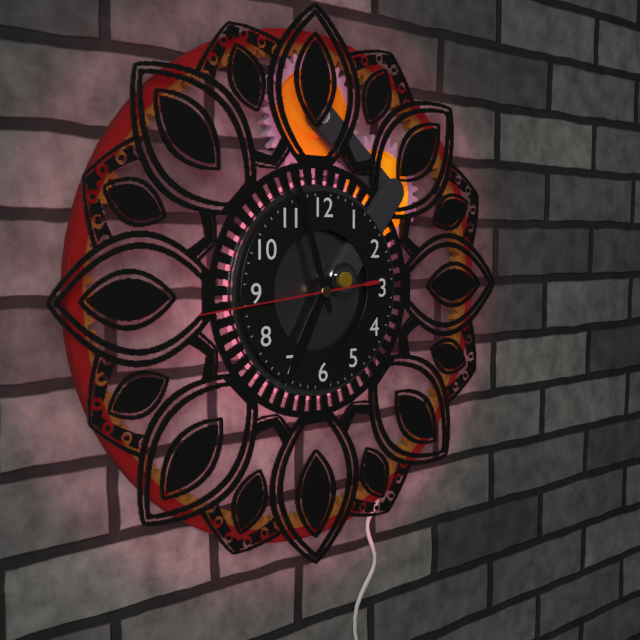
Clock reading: h=6 m=57 s=44
